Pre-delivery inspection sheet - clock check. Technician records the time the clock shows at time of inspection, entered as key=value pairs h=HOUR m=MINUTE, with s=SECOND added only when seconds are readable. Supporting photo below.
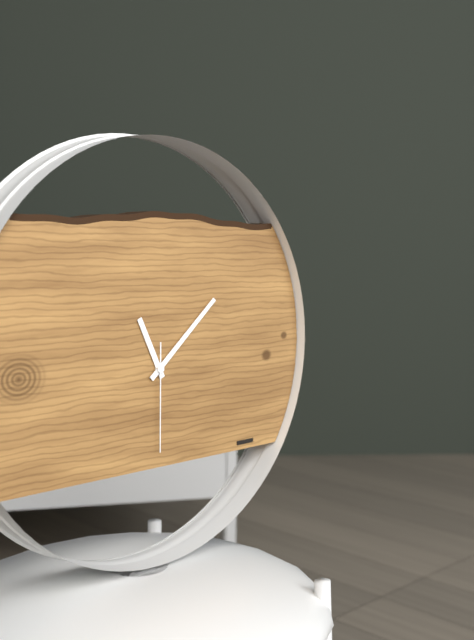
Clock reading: h=11 m=8 s=30
